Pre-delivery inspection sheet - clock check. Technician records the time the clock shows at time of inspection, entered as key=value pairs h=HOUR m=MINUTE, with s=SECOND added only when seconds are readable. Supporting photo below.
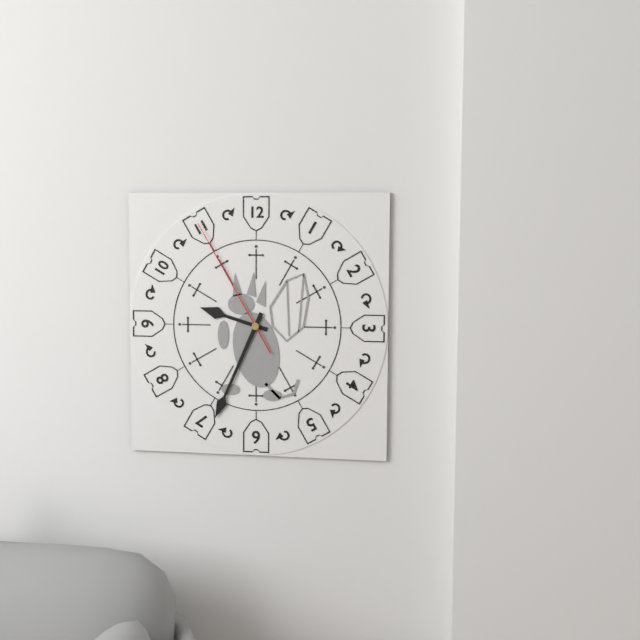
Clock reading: h=9 m=34 s=55
